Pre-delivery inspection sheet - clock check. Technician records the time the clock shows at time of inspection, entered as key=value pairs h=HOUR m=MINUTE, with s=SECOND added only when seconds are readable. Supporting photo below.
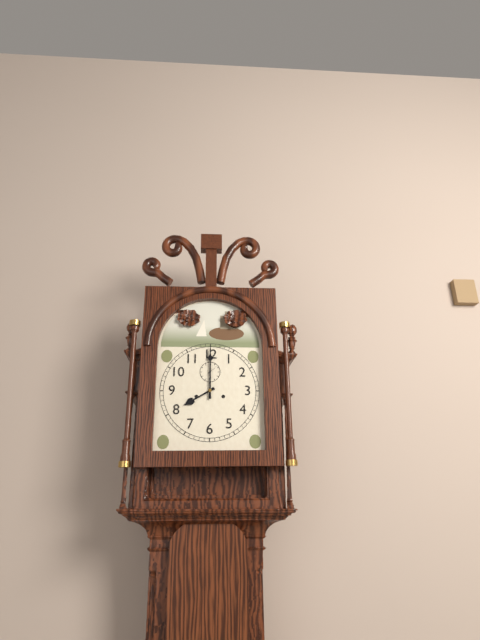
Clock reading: h=8 m=0
